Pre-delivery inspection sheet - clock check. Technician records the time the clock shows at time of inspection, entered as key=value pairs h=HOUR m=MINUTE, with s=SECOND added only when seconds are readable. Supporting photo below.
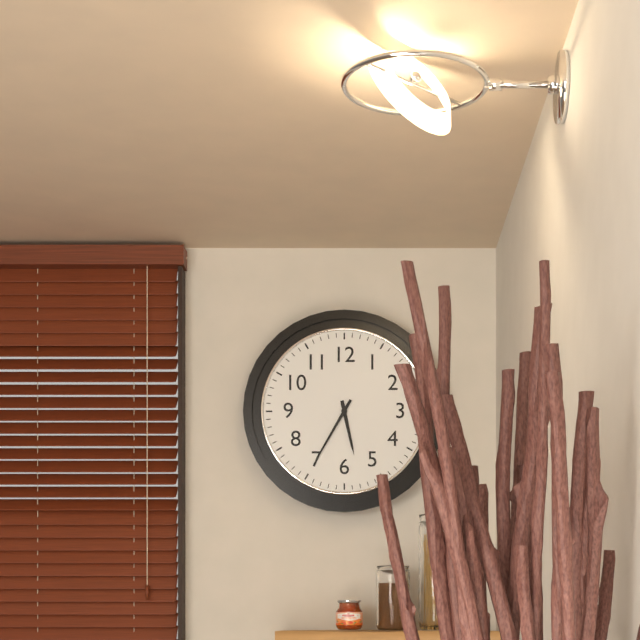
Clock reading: h=5 m=35
